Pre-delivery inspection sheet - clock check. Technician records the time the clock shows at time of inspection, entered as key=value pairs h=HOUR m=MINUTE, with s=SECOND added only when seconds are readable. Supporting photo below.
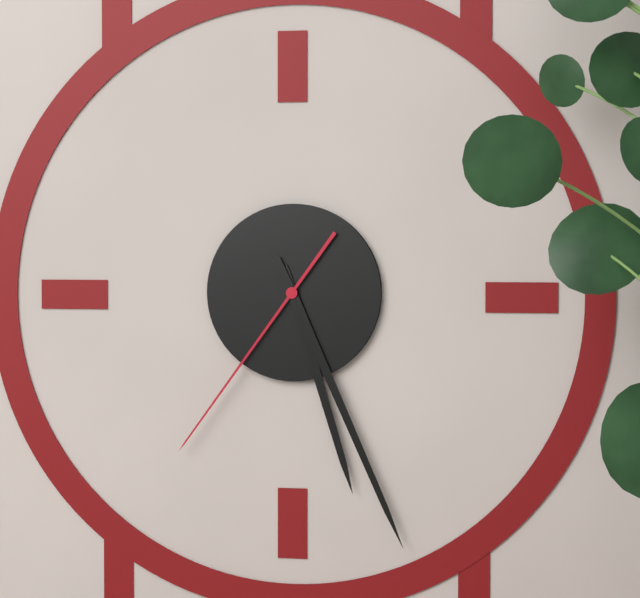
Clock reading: h=5 m=26 s=36
